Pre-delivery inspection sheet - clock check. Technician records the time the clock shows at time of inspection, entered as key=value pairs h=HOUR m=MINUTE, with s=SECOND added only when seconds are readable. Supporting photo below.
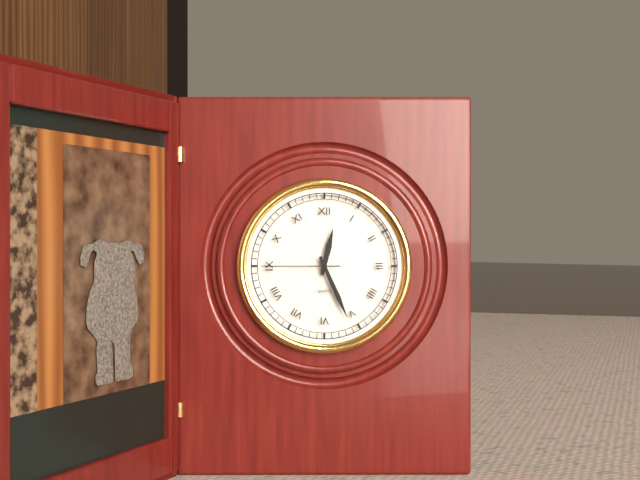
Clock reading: h=12 m=26 s=45
